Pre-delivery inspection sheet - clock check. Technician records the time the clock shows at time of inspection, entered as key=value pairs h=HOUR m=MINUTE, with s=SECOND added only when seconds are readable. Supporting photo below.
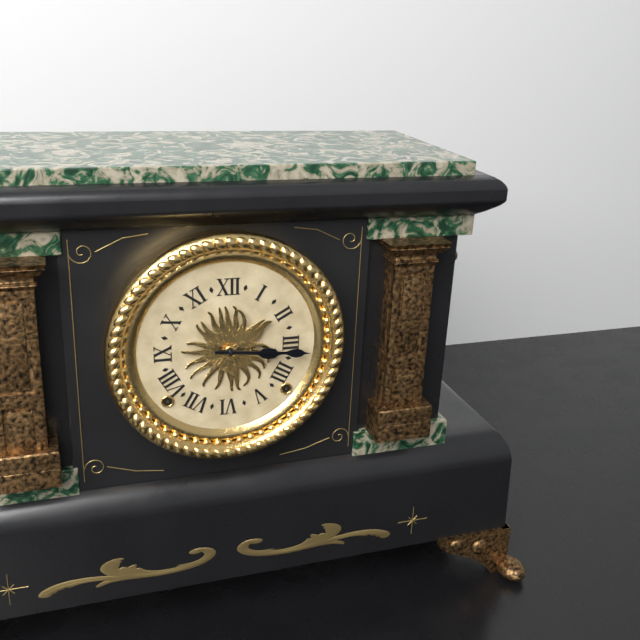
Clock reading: h=3 m=16
